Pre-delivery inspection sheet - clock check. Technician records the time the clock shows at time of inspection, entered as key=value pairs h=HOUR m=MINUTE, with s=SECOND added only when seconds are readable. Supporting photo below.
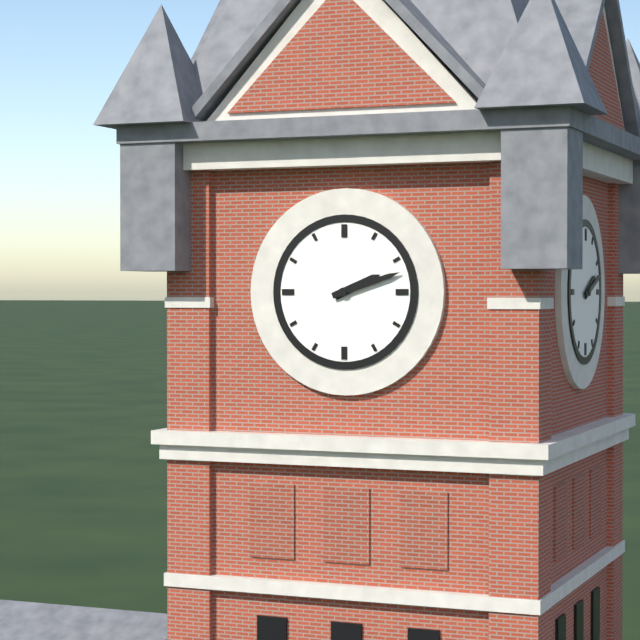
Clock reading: h=2 m=12
